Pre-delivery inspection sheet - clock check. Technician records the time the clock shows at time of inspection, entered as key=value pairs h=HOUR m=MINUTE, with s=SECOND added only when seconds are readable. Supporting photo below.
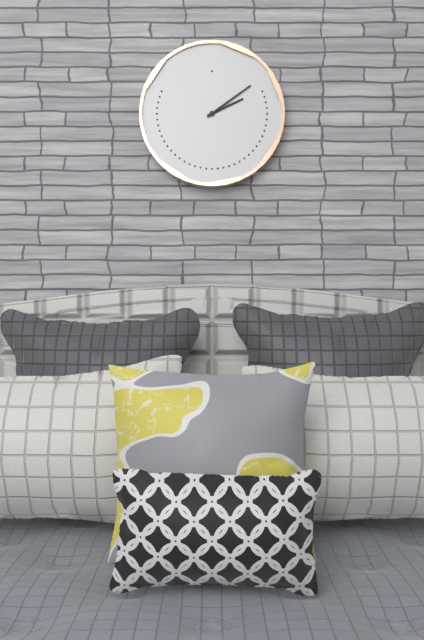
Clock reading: h=2 m=9
